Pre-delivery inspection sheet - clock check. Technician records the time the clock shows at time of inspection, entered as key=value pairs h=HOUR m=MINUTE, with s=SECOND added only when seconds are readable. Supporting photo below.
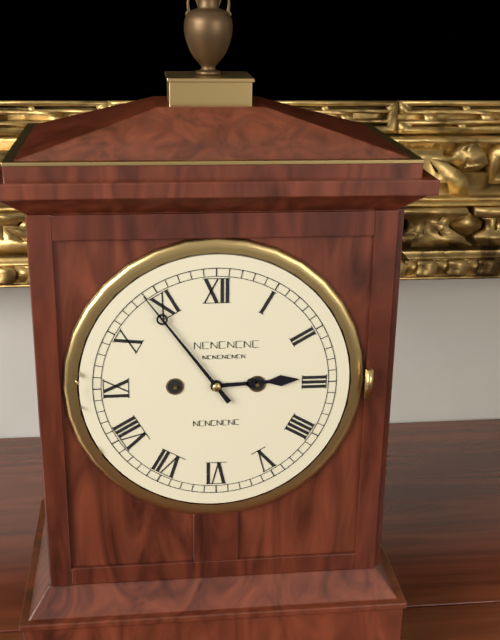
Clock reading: h=2 m=54
